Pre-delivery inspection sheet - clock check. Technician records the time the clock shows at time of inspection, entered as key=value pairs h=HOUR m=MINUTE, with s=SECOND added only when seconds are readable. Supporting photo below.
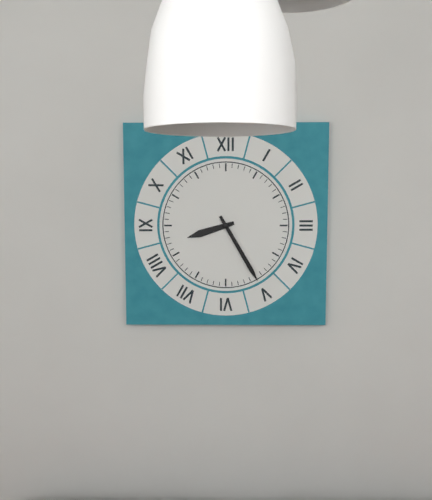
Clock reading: h=8 m=25
